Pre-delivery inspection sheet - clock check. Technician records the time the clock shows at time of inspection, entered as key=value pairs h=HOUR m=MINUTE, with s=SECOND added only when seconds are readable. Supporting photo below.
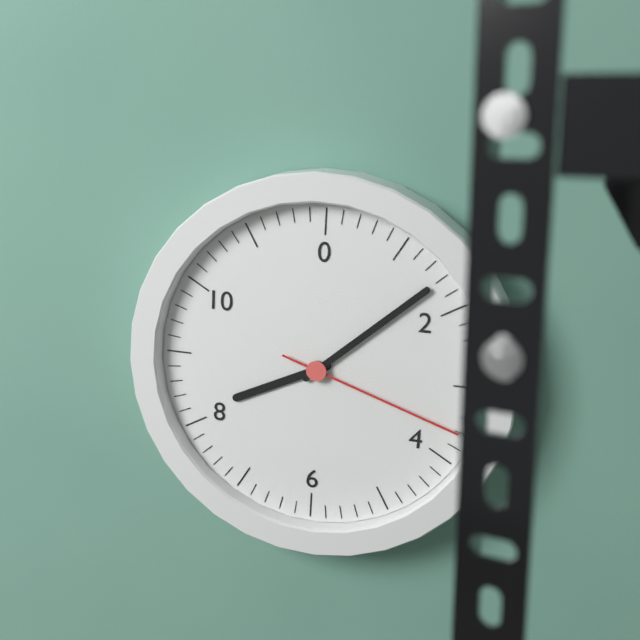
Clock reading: h=8 m=8 s=18
